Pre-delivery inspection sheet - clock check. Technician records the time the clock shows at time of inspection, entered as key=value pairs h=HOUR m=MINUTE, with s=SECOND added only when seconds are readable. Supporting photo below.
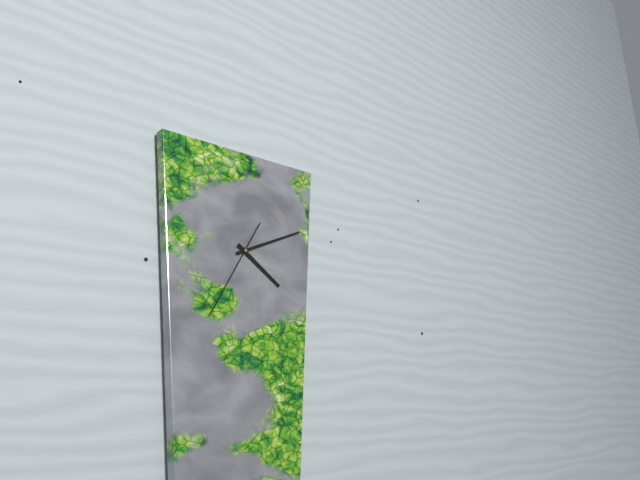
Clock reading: h=4 m=11 s=35
